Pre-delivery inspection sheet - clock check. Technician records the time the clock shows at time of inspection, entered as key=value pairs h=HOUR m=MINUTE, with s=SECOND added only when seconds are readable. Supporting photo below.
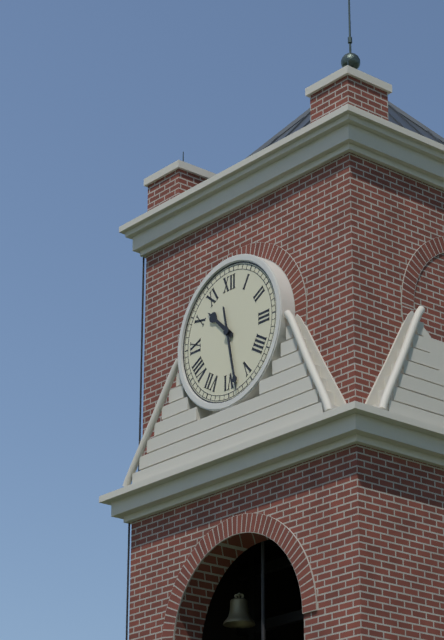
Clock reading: h=10 m=28
